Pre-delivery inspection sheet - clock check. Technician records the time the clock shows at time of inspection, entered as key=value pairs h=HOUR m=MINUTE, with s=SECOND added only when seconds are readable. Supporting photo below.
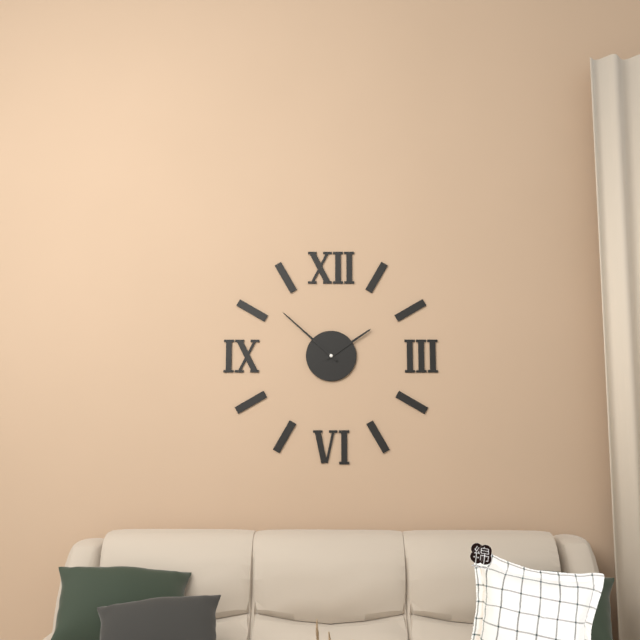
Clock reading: h=1 m=52
